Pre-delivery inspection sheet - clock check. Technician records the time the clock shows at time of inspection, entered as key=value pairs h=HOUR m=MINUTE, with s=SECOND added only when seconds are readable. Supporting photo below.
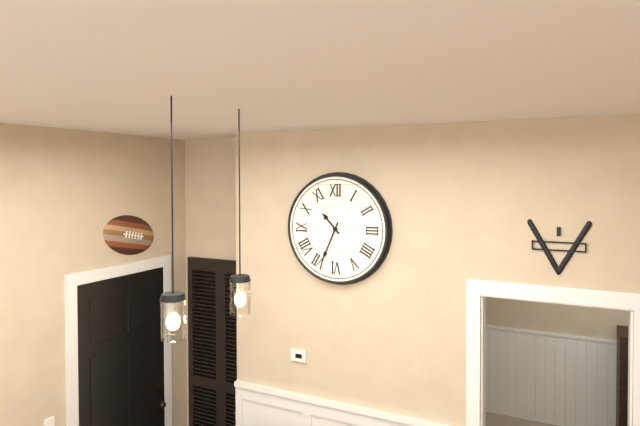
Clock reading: h=10 m=34
